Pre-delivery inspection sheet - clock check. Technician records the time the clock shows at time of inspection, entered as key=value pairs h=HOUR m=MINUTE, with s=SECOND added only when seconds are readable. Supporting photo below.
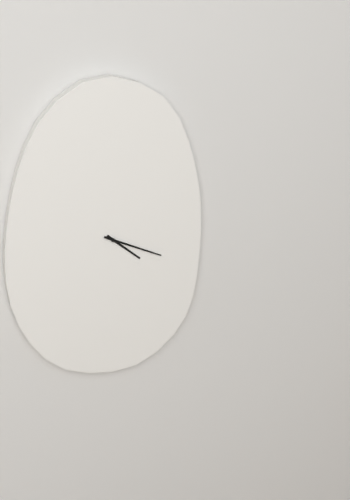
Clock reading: h=4 m=19
